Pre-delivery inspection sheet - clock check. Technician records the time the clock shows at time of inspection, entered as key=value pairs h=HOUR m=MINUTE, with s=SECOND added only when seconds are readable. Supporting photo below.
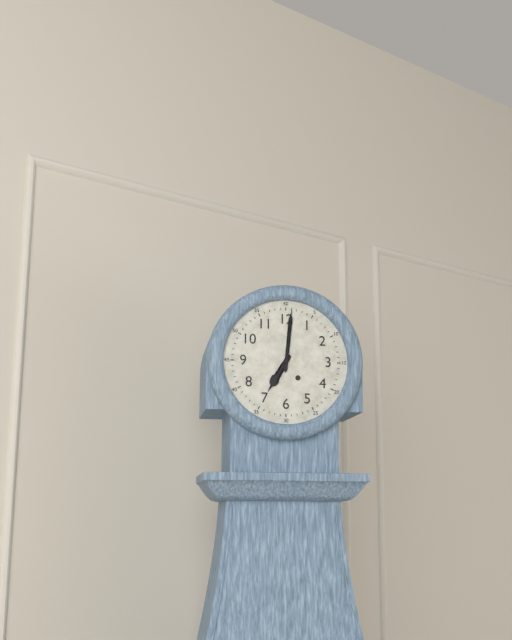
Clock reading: h=7 m=1
